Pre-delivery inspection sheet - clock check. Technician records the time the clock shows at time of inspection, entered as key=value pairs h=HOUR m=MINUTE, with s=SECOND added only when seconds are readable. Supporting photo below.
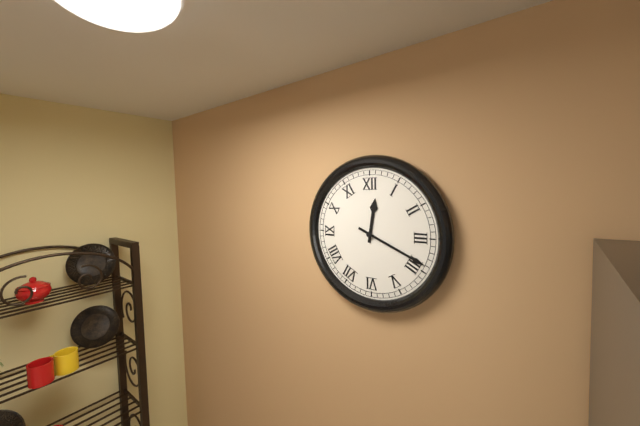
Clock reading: h=12 m=19
